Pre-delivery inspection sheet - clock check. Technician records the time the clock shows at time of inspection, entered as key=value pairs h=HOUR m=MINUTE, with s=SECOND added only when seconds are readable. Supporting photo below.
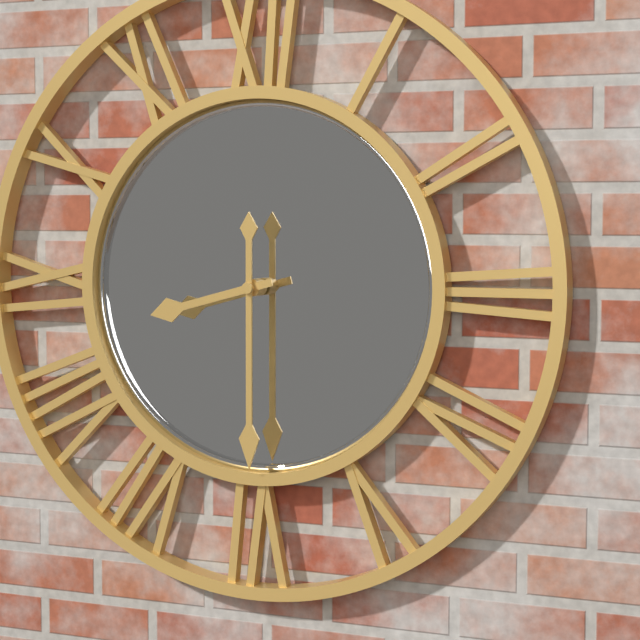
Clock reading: h=8 m=30
